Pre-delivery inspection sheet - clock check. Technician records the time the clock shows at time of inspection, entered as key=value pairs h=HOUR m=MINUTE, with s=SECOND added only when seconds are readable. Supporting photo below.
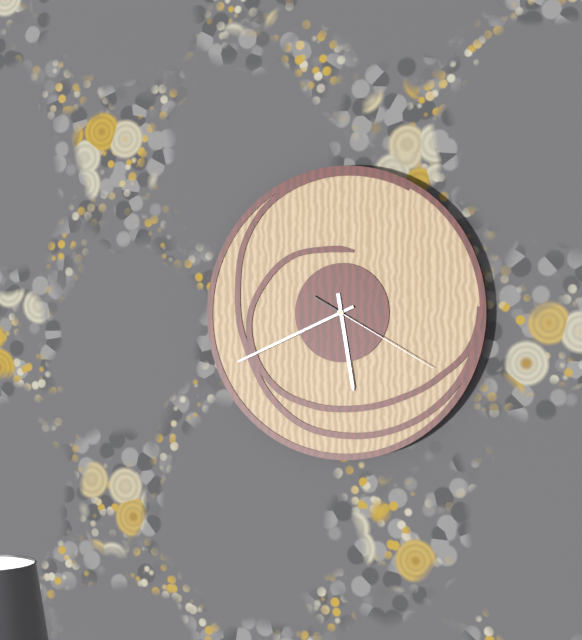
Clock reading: h=5 m=41 s=20
